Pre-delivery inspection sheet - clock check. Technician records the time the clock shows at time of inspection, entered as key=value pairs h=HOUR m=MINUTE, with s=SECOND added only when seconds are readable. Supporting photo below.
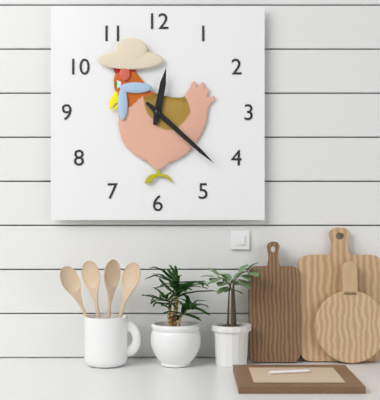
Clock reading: h=12 m=22
